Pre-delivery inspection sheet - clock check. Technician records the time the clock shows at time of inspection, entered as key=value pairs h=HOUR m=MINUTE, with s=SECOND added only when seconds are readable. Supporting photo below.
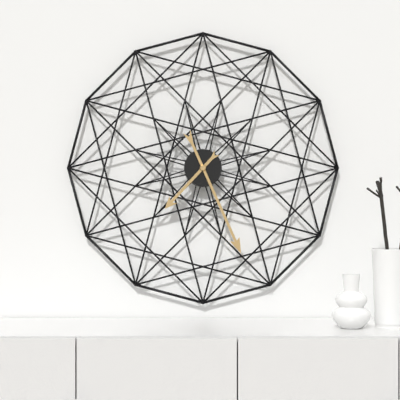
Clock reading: h=7 m=26
